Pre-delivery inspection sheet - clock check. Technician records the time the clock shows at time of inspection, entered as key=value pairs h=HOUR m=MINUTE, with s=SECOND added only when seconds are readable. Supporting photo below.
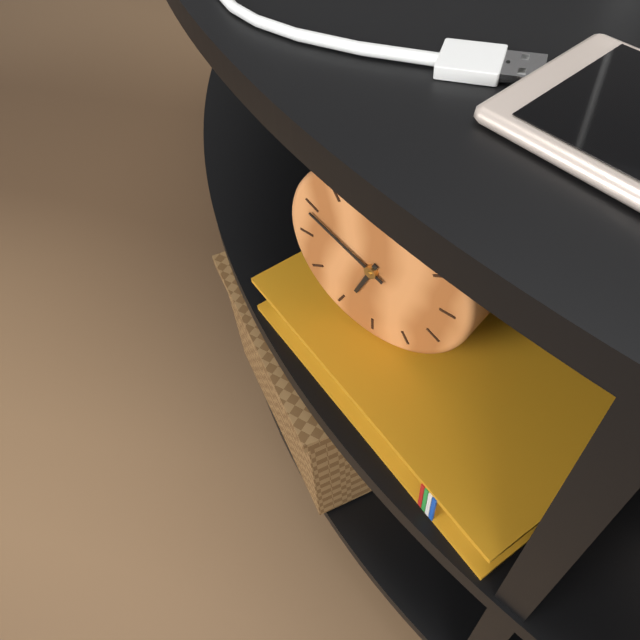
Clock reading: h=6 m=49
